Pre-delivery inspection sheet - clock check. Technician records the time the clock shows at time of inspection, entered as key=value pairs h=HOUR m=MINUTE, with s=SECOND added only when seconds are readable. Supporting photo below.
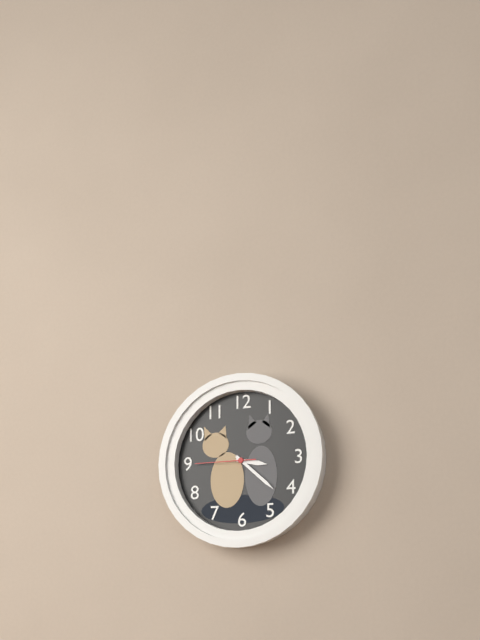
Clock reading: h=3 m=22 s=45
